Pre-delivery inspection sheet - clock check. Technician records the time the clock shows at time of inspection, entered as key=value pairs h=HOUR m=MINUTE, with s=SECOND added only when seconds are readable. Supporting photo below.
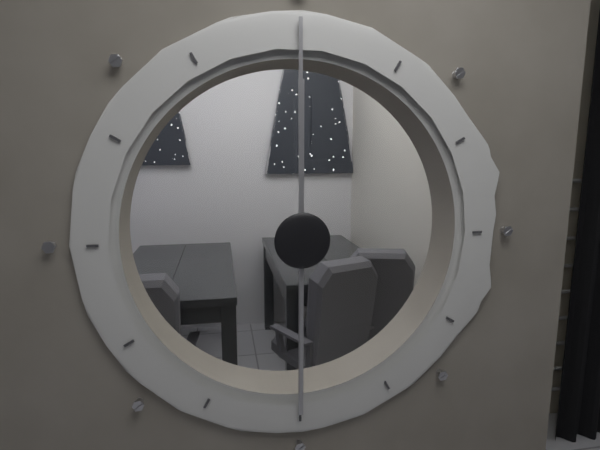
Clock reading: h=6 m=0
